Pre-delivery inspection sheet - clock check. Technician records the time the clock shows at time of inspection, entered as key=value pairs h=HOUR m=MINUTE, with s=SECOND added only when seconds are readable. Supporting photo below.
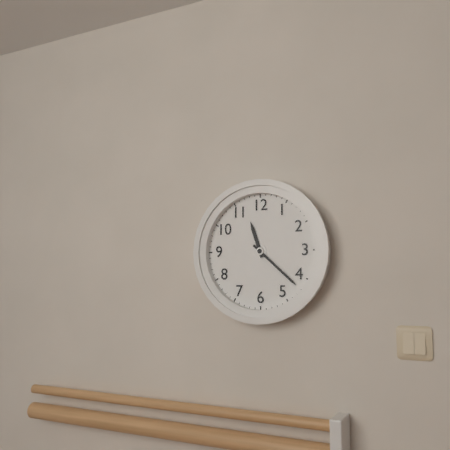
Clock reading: h=11 m=22
